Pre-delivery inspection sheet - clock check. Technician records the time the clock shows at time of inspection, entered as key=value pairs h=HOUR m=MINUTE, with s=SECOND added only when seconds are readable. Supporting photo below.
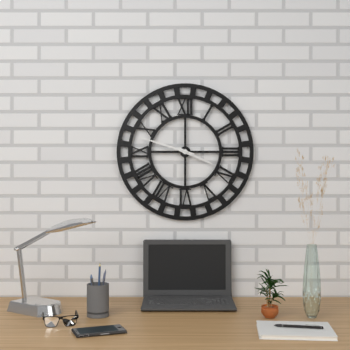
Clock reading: h=3 m=48
